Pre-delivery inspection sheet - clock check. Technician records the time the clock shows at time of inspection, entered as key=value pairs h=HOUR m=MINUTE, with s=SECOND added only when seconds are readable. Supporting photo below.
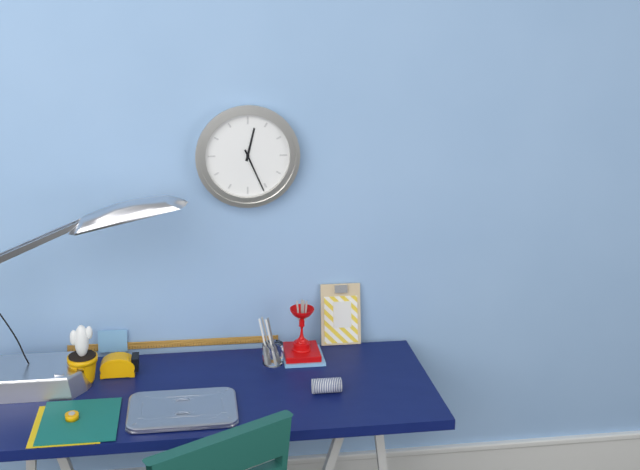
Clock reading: h=12 m=26
